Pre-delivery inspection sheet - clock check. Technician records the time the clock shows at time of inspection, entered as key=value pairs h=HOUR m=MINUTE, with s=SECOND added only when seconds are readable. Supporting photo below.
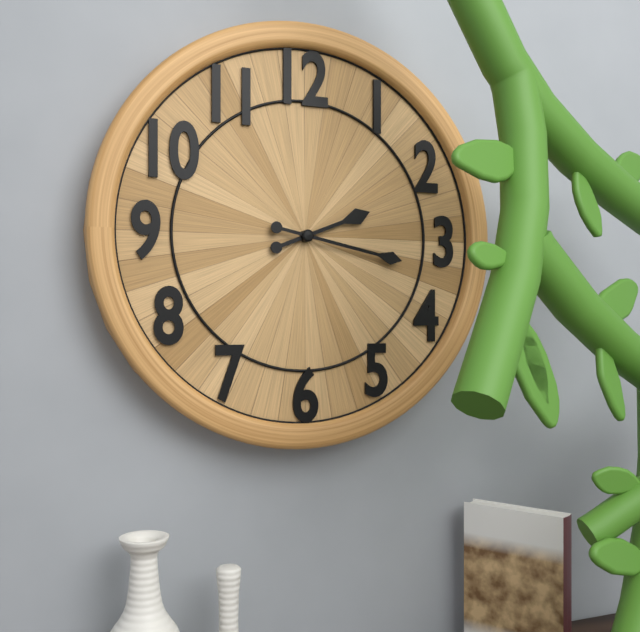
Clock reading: h=2 m=17
